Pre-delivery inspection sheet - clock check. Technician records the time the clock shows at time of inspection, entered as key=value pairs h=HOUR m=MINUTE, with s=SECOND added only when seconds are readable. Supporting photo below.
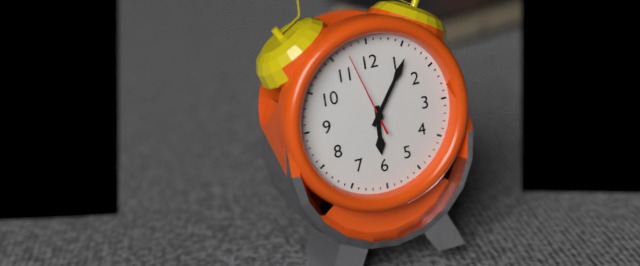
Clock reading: h=6 m=6 s=57
